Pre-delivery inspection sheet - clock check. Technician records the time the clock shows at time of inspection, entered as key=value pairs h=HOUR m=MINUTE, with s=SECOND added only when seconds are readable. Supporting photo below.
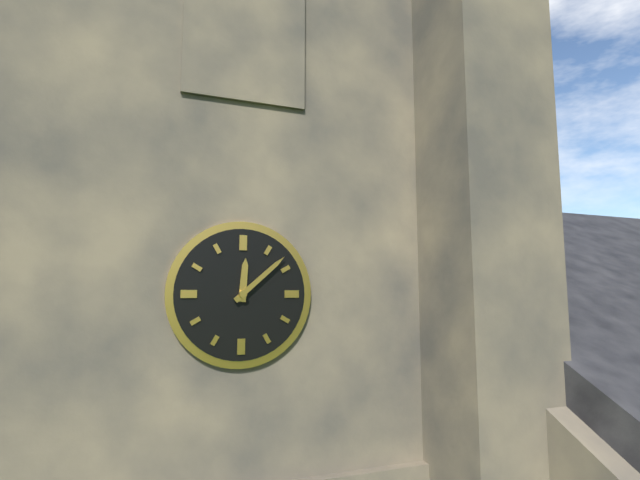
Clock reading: h=12 m=8
